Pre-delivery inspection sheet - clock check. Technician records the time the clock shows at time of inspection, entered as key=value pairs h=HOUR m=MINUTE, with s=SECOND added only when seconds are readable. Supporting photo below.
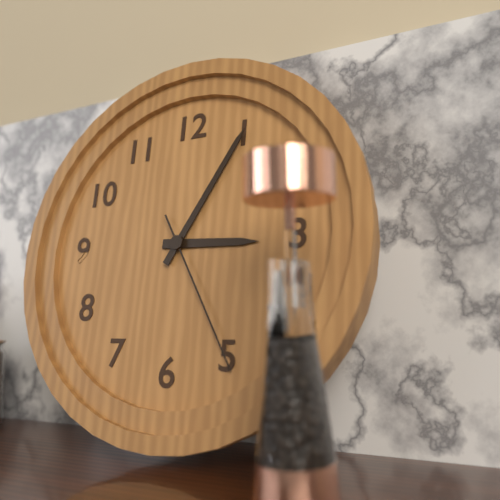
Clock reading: h=3 m=5 s=25
